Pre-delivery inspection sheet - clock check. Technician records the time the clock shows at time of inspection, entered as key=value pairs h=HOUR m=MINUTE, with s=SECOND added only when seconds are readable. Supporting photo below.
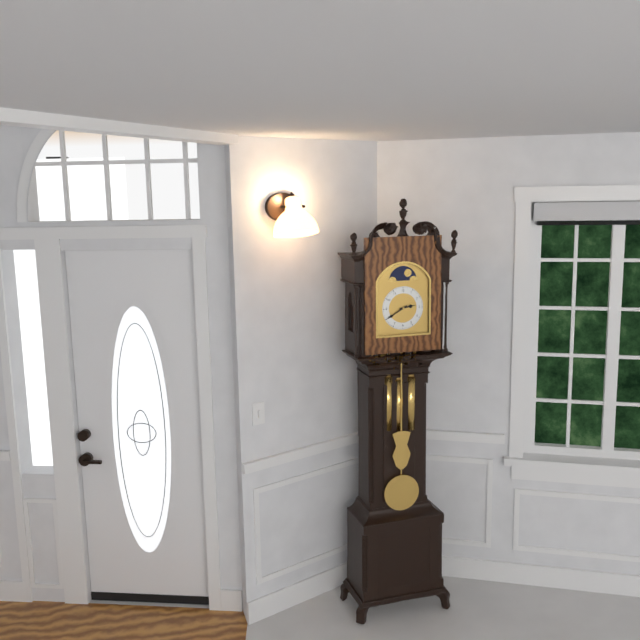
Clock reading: h=2 m=40
